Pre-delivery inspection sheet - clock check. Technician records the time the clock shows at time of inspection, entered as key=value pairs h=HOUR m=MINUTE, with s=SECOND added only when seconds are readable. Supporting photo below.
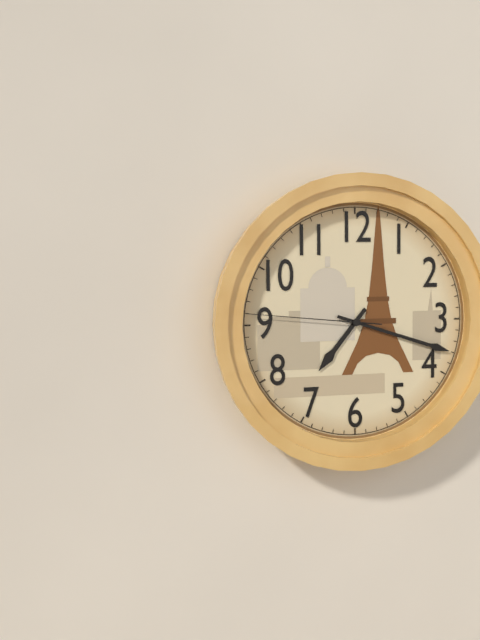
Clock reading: h=7 m=18 s=46
